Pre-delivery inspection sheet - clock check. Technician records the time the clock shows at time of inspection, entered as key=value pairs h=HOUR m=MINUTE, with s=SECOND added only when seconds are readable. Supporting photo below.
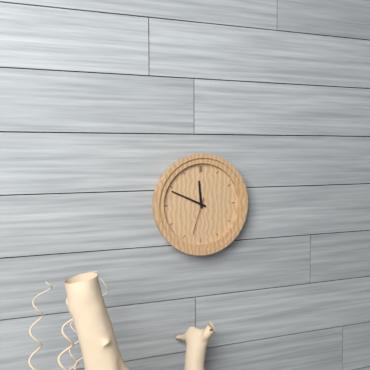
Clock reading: h=11 m=49
